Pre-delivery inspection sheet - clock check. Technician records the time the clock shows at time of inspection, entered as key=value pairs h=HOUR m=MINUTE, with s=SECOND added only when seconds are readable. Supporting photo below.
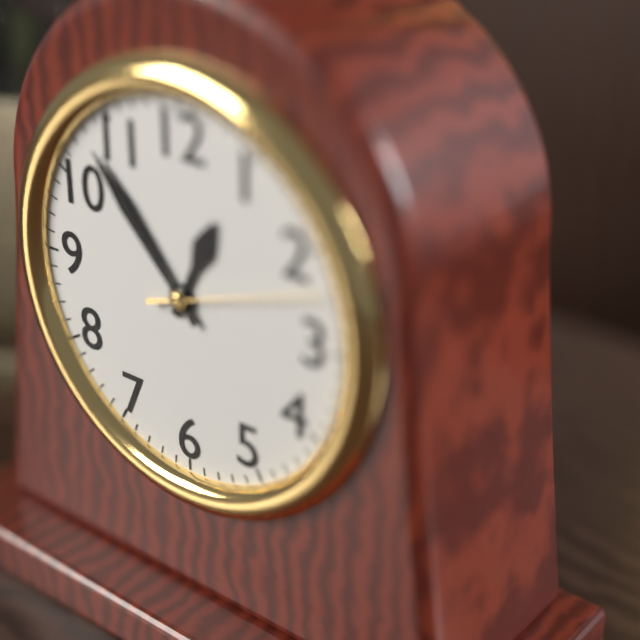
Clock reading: h=12 m=53 s=12
